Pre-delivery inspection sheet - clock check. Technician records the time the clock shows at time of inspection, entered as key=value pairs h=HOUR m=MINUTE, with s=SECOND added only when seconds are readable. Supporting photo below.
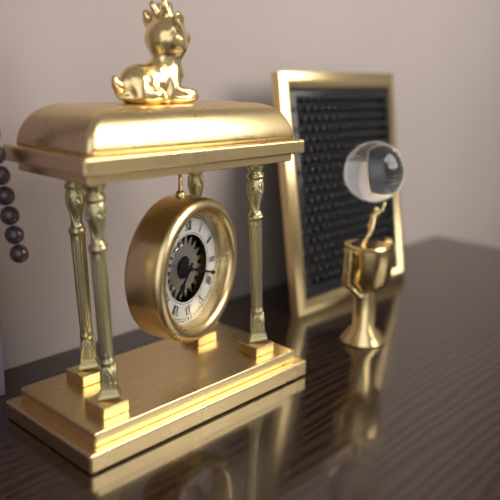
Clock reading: h=7 m=18
